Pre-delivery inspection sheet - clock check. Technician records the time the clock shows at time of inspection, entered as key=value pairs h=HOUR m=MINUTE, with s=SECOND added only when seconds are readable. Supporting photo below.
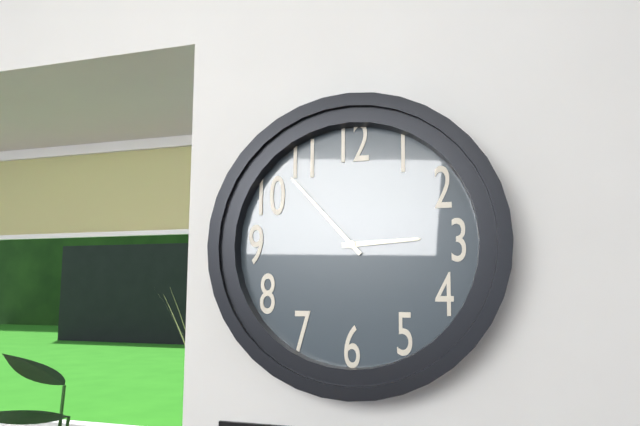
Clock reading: h=2 m=53
